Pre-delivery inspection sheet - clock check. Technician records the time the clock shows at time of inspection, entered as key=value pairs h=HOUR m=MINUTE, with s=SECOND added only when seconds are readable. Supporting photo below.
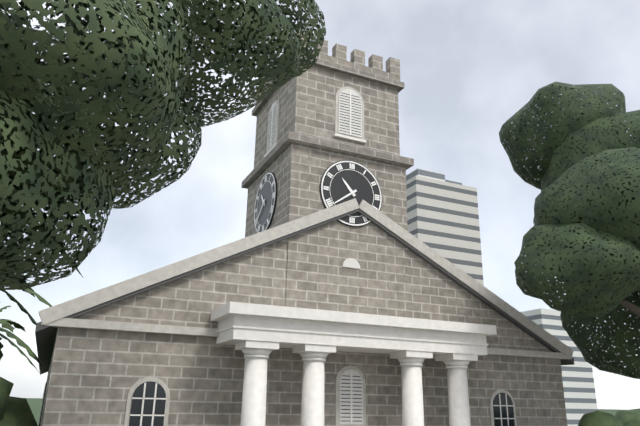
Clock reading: h=10 m=39
